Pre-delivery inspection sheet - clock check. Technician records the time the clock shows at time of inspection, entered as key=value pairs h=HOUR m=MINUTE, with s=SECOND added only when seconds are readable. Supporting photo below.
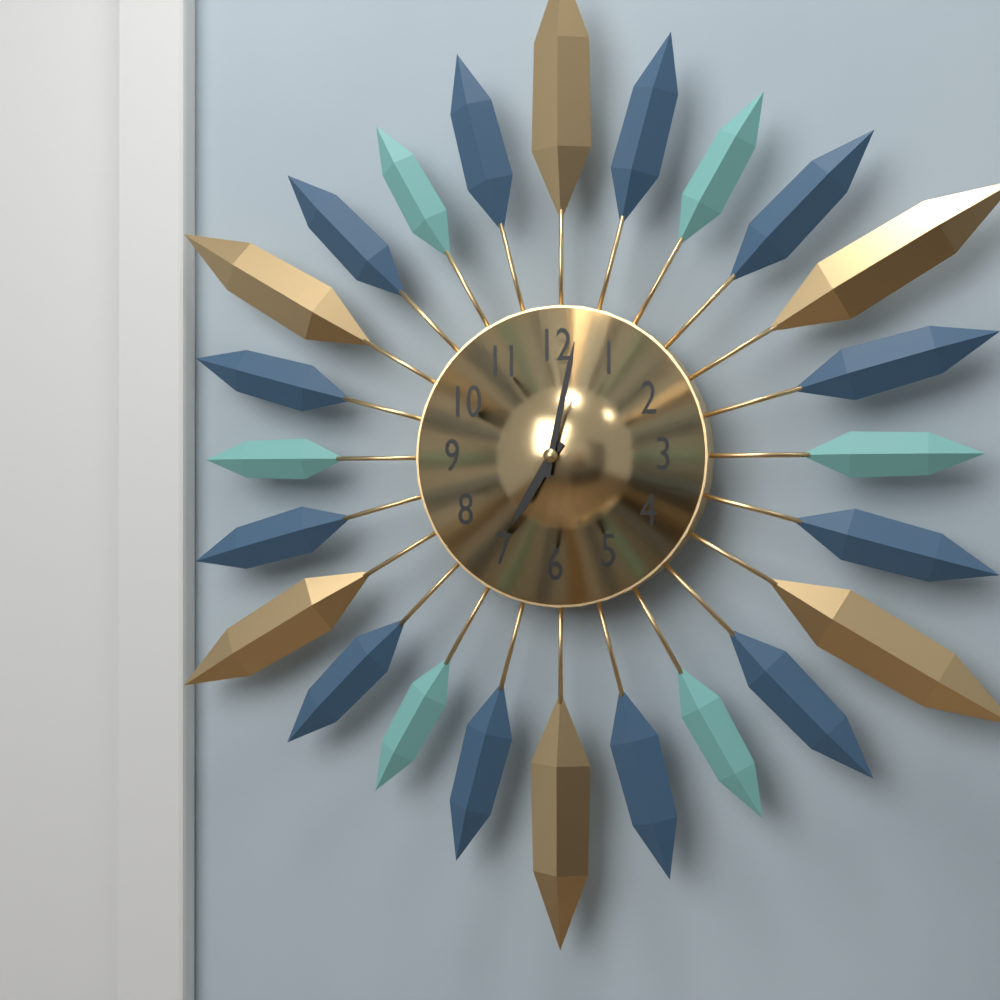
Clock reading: h=7 m=2
